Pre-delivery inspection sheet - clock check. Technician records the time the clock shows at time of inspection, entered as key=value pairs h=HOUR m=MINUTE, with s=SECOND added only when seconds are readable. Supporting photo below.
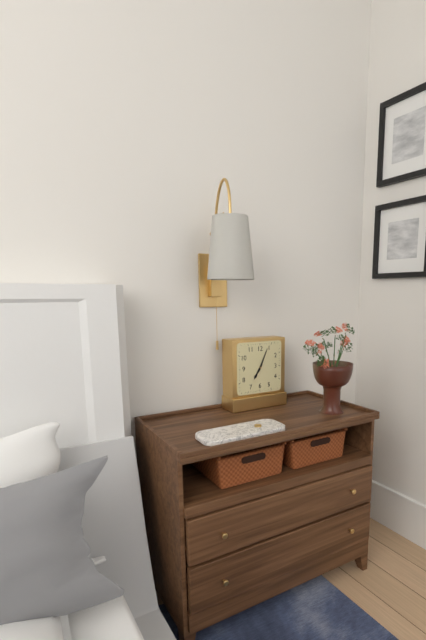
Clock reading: h=7 m=4
